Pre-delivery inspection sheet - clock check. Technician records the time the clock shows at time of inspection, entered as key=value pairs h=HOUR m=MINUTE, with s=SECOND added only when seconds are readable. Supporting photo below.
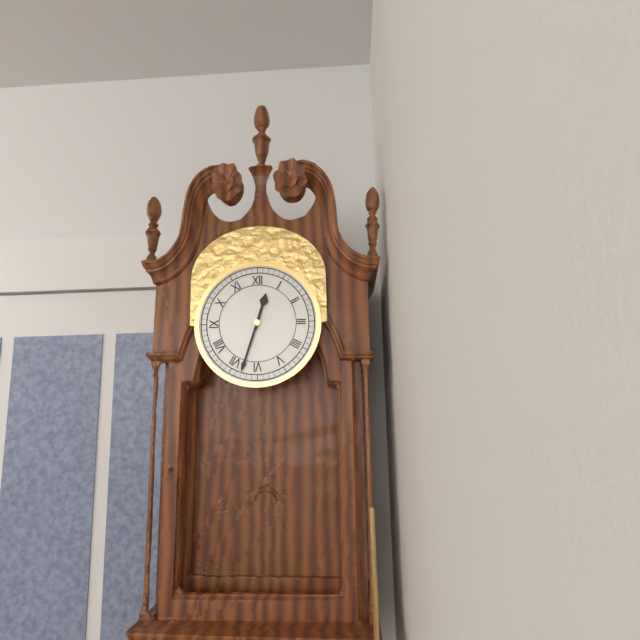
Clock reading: h=12 m=33
